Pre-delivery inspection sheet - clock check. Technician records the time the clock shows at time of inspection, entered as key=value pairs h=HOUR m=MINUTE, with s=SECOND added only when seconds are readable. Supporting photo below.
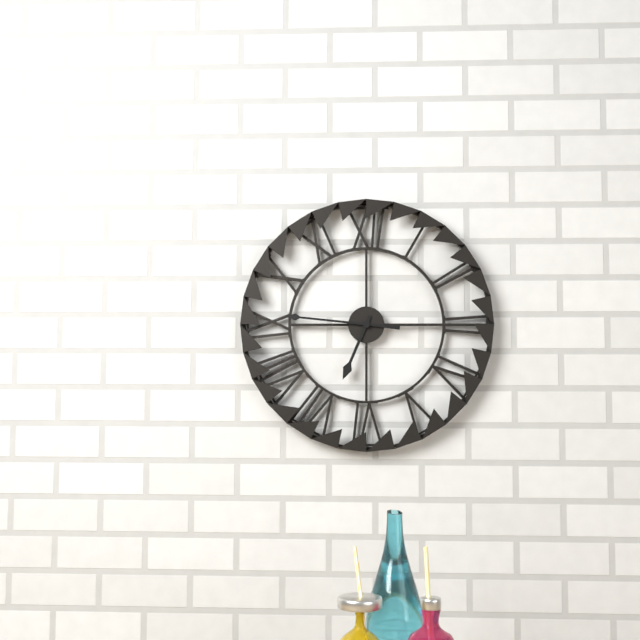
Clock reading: h=6 m=46
